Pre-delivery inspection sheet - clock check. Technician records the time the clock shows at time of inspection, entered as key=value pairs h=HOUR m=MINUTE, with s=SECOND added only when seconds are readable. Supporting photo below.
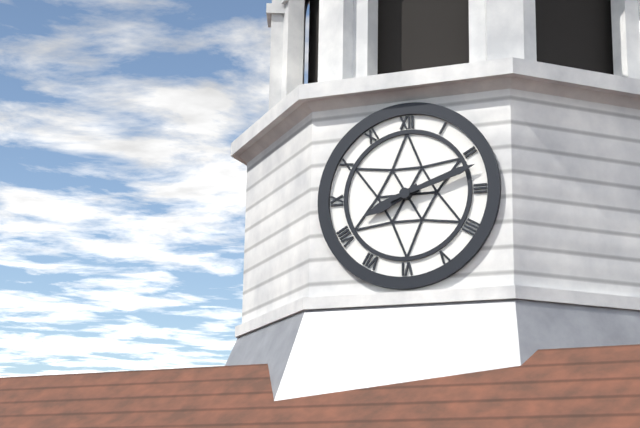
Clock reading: h=8 m=12
